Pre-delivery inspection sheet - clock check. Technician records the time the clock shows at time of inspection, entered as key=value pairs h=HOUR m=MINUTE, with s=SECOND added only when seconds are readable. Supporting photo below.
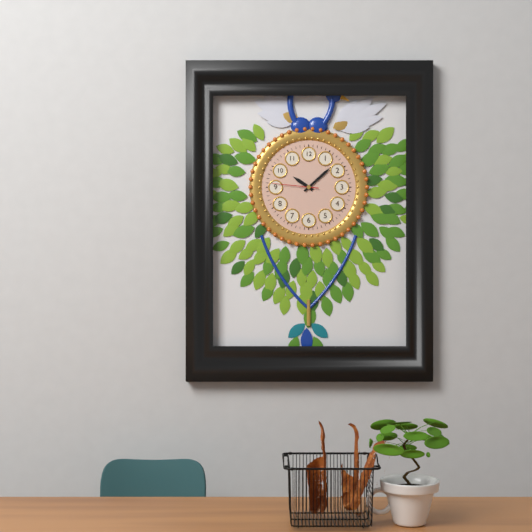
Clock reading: h=10 m=8
